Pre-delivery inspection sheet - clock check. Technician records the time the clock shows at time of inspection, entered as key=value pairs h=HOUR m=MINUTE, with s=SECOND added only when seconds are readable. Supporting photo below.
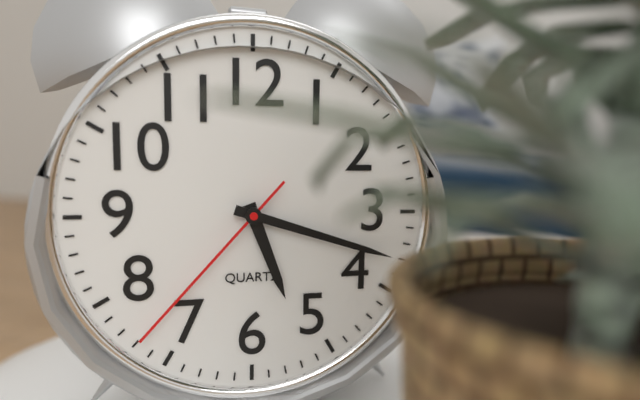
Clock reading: h=5 m=18 s=37
